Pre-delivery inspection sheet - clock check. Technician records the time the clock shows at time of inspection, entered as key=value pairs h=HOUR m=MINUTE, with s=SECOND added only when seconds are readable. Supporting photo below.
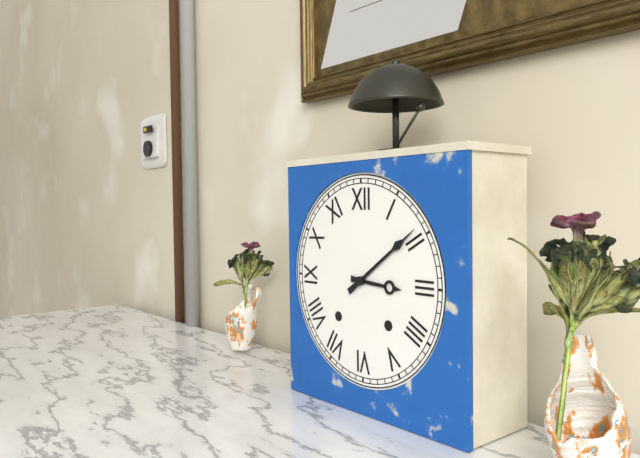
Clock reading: h=3 m=9
